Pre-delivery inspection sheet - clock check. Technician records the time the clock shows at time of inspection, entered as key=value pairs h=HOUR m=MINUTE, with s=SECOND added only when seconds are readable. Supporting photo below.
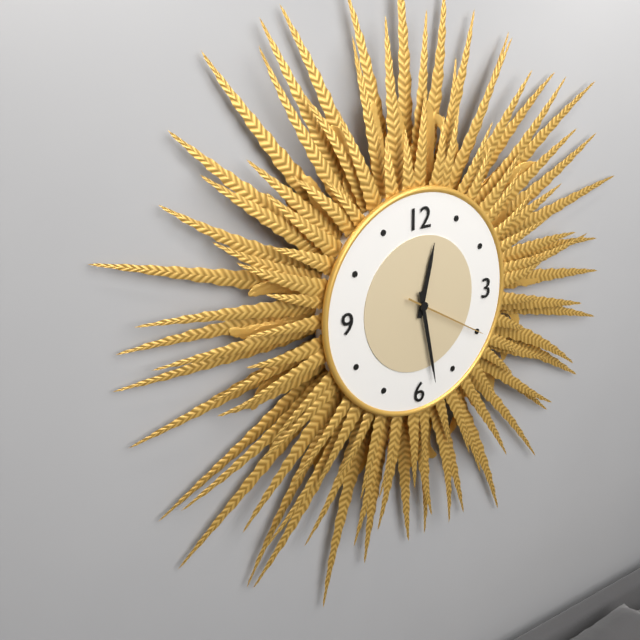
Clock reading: h=12 m=28 s=20
